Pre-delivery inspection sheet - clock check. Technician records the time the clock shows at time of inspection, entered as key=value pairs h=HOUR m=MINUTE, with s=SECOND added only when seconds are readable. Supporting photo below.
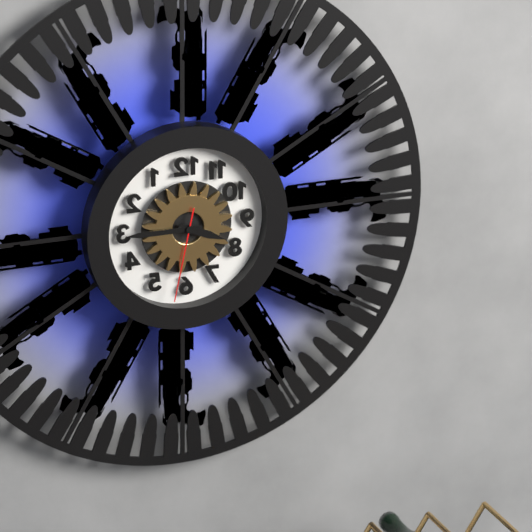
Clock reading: h=3 m=45 s=32
